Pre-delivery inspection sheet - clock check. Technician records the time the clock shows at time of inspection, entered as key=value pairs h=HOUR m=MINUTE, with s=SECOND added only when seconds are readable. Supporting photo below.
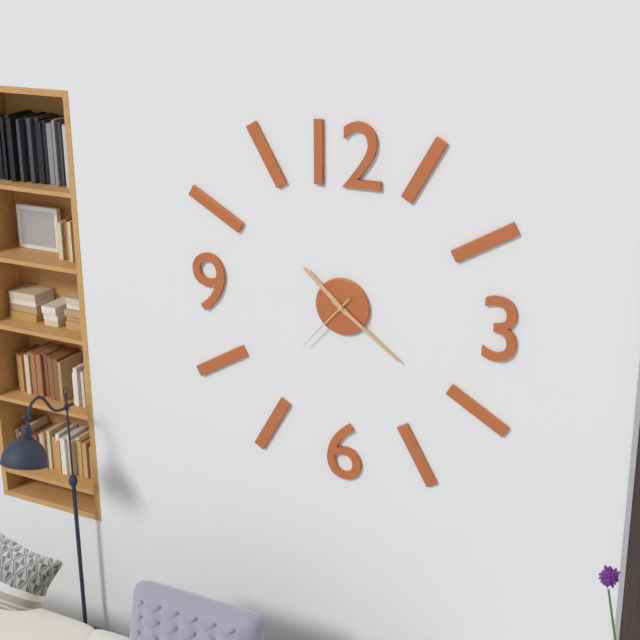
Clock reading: h=10 m=21 s=37
